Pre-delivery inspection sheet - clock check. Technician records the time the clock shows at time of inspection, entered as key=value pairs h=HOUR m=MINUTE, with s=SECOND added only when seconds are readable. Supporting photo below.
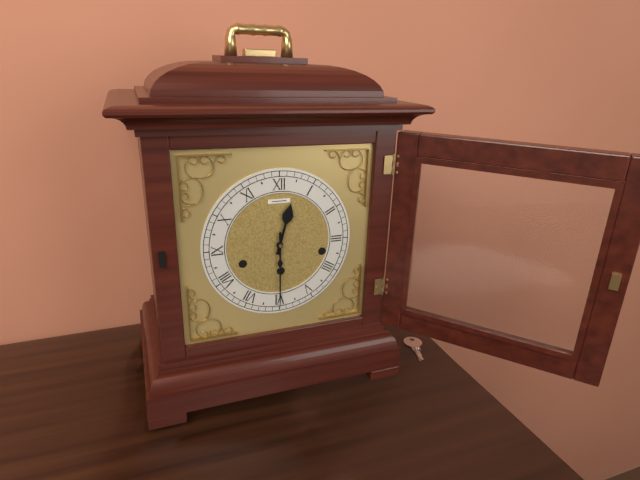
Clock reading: h=12 m=30
